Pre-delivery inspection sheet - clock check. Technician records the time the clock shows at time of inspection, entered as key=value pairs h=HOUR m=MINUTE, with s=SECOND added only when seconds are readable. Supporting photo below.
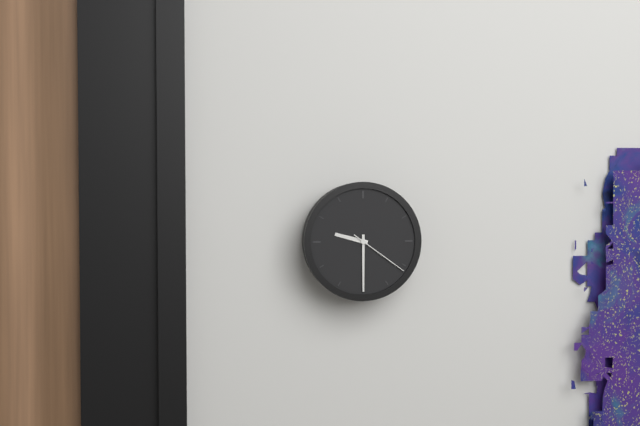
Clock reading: h=9 m=30 s=21
